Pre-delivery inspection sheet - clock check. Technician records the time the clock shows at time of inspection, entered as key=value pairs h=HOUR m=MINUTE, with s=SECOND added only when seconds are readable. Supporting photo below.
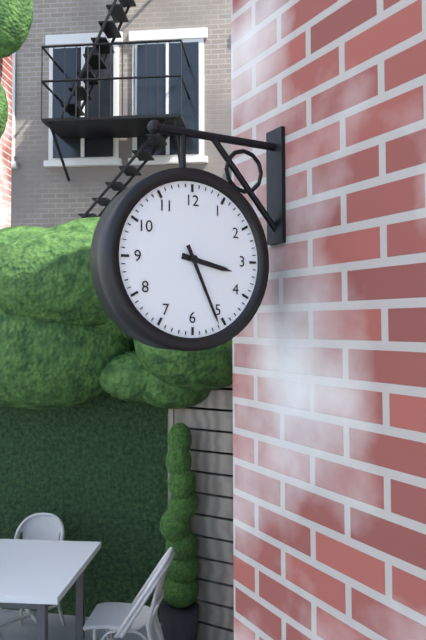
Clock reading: h=3 m=26
